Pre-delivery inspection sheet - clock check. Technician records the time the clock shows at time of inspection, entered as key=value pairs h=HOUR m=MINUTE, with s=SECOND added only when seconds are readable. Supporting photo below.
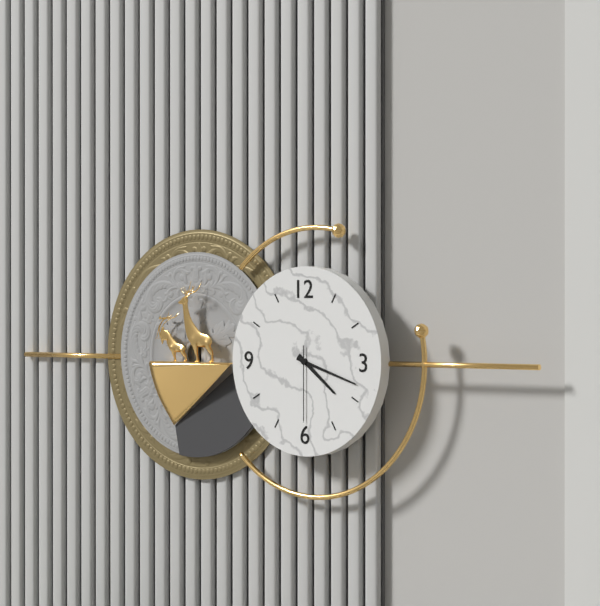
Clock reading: h=4 m=18 s=30
